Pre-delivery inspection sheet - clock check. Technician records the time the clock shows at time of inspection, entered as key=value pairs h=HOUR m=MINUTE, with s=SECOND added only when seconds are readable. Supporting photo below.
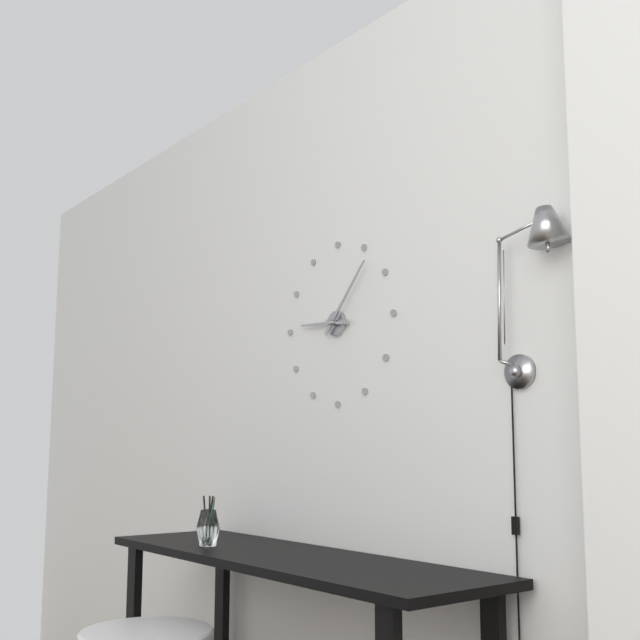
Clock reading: h=9 m=7
